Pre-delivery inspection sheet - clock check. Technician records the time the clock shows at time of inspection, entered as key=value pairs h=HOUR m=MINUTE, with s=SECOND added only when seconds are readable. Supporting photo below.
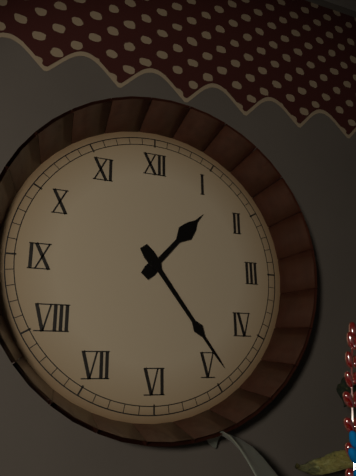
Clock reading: h=1 m=24
